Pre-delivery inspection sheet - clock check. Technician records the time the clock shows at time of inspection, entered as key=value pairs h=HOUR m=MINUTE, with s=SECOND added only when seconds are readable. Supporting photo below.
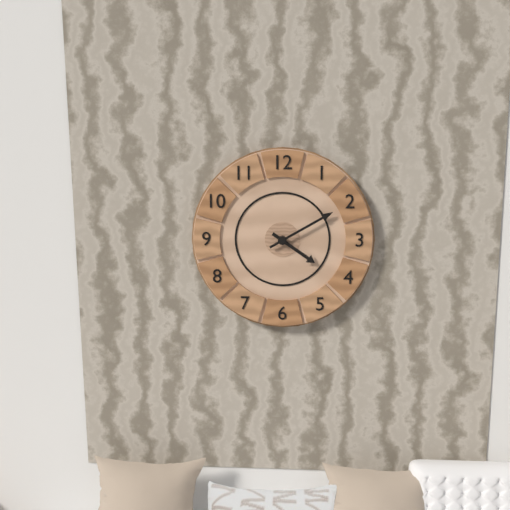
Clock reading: h=4 m=10
